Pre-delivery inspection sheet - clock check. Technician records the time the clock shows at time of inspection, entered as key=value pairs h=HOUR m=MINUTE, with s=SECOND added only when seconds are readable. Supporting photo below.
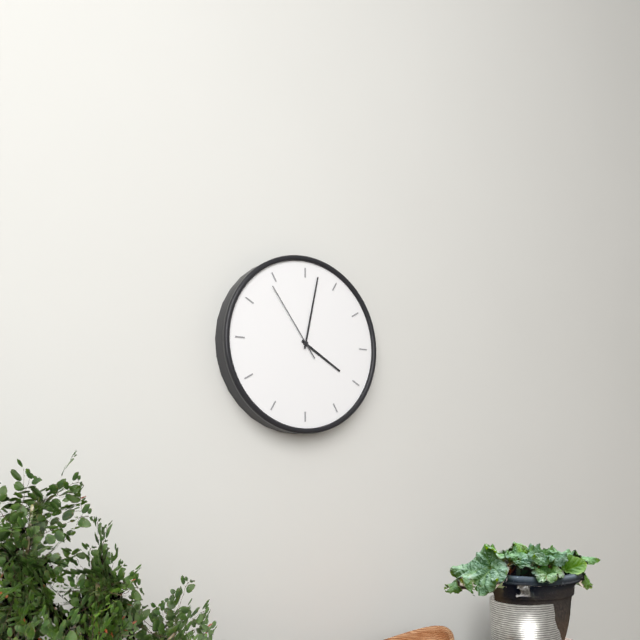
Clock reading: h=4 m=2 s=54
